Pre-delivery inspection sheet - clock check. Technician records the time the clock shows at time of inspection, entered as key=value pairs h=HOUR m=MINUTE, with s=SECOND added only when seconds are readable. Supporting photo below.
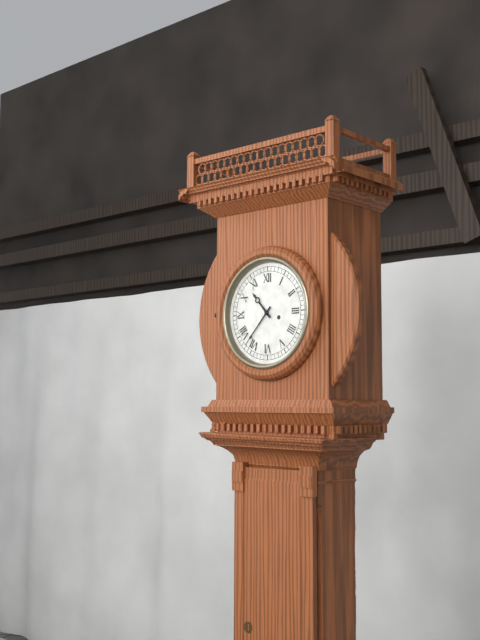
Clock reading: h=10 m=37
